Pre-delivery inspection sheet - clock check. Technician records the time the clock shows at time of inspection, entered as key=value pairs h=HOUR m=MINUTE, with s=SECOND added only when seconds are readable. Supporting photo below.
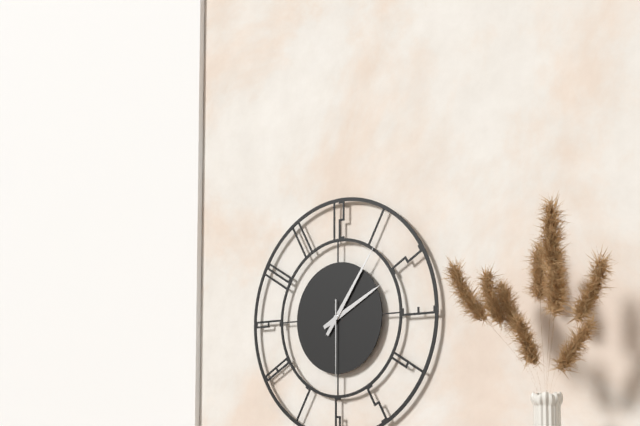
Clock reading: h=2 m=6 s=30
